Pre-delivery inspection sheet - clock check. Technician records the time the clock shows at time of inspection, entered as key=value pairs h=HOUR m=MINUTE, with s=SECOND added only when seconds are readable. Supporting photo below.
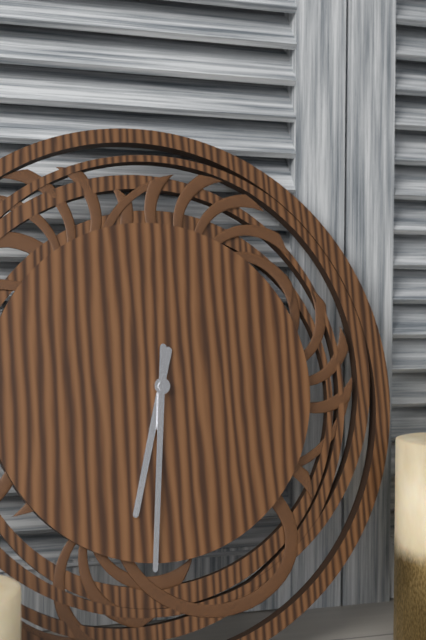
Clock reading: h=6 m=31
